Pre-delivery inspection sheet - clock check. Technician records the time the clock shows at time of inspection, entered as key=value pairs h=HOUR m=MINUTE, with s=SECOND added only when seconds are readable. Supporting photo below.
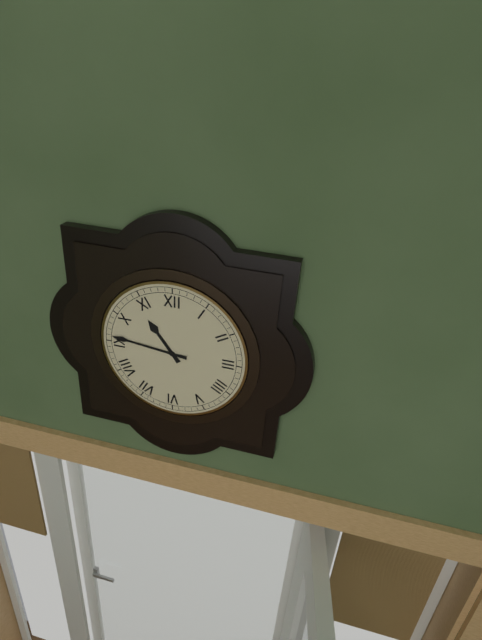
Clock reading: h=10 m=46
